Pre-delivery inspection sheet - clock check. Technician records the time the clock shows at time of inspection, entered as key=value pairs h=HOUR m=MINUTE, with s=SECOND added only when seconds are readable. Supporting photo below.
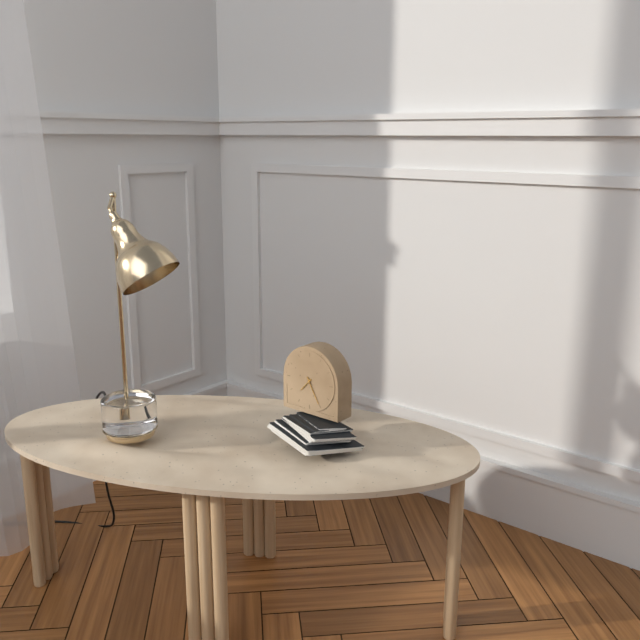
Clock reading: h=7 m=25
